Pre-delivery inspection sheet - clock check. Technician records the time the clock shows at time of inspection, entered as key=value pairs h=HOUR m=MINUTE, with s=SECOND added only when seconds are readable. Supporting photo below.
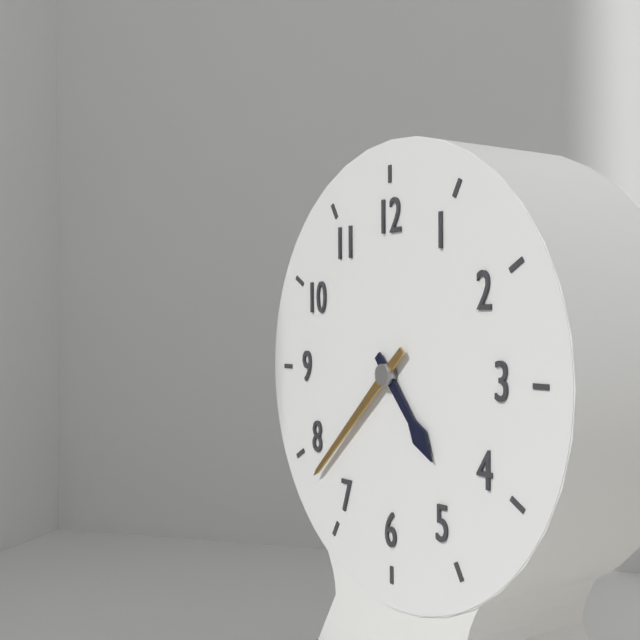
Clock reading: h=4 m=38
